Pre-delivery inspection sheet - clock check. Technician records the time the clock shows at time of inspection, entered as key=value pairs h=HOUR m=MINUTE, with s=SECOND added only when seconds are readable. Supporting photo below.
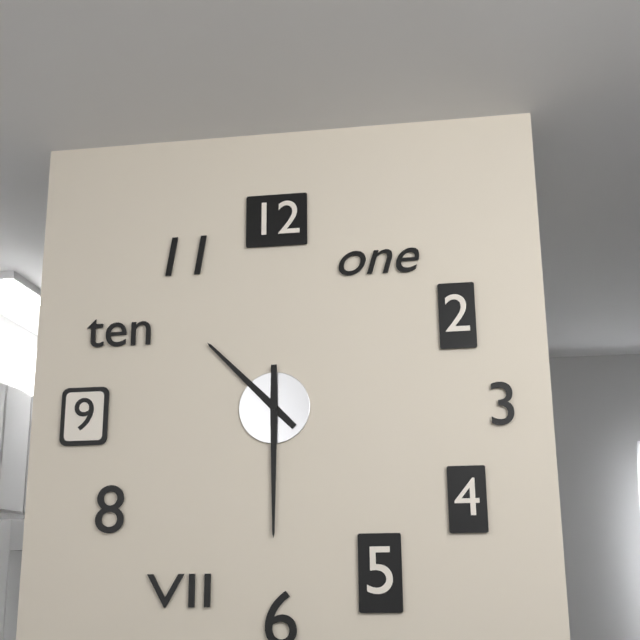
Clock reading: h=10 m=30
